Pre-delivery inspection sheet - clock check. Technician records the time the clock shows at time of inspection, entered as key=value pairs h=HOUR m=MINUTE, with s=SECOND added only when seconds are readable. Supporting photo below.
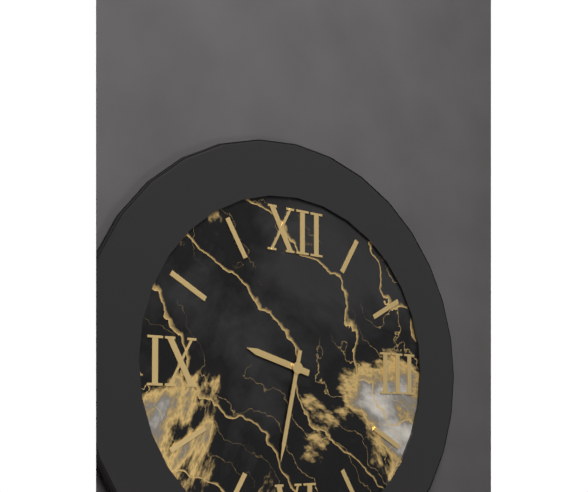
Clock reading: h=9 m=32
